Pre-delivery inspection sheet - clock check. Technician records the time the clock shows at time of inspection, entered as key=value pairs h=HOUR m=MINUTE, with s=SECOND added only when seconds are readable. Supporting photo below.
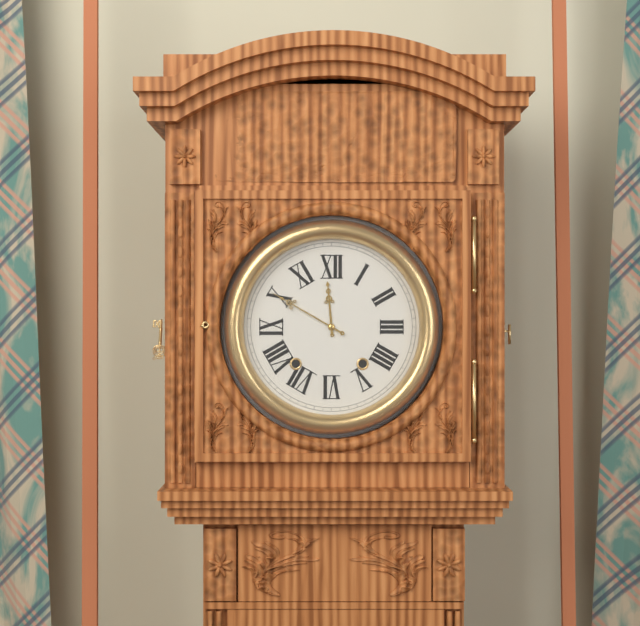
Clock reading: h=11 m=50
